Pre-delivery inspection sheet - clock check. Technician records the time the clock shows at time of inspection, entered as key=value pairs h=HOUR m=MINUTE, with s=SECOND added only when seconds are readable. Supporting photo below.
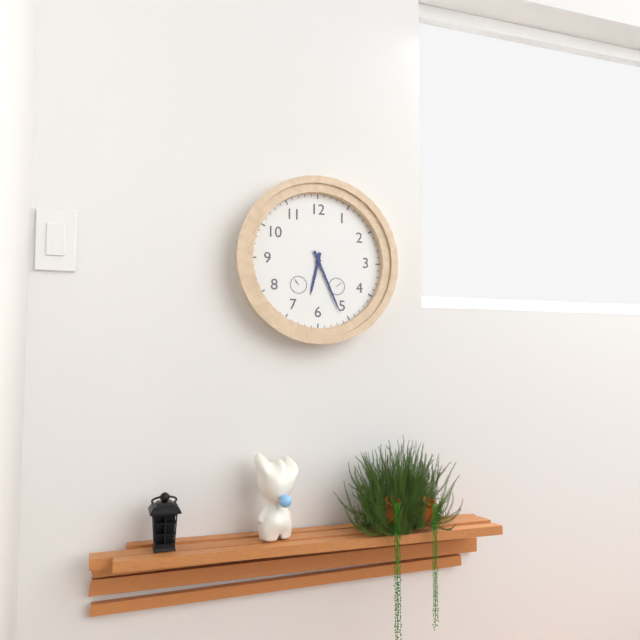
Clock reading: h=6 m=26
